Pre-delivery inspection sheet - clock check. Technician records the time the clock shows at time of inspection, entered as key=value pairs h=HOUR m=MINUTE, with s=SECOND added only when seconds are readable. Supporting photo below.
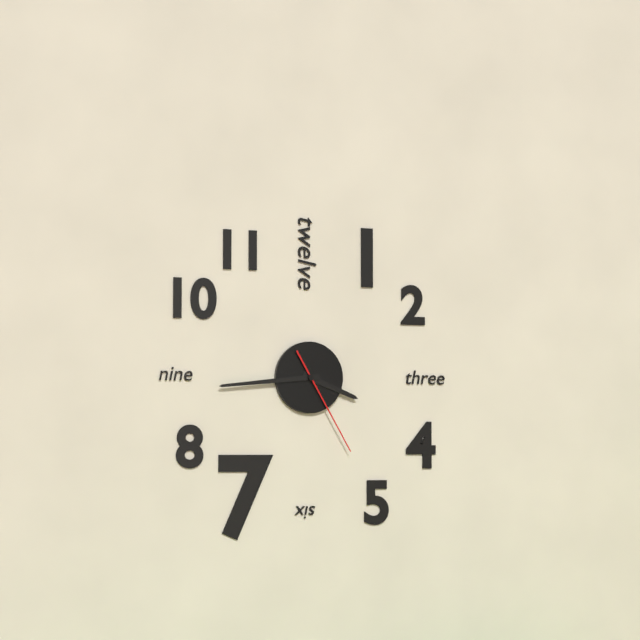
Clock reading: h=3 m=44 s=25
